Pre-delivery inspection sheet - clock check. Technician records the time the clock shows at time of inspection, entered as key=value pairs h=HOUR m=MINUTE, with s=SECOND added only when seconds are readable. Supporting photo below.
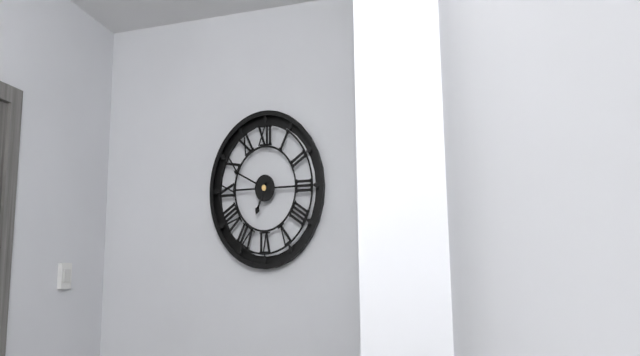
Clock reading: h=6 m=49
